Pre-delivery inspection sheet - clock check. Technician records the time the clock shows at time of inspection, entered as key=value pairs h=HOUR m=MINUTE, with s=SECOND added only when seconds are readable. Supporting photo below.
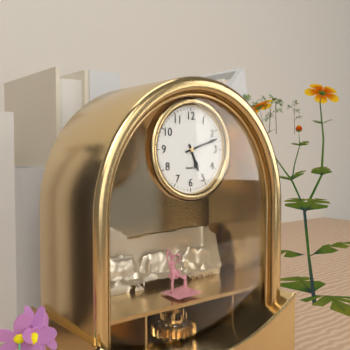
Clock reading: h=5 m=12
